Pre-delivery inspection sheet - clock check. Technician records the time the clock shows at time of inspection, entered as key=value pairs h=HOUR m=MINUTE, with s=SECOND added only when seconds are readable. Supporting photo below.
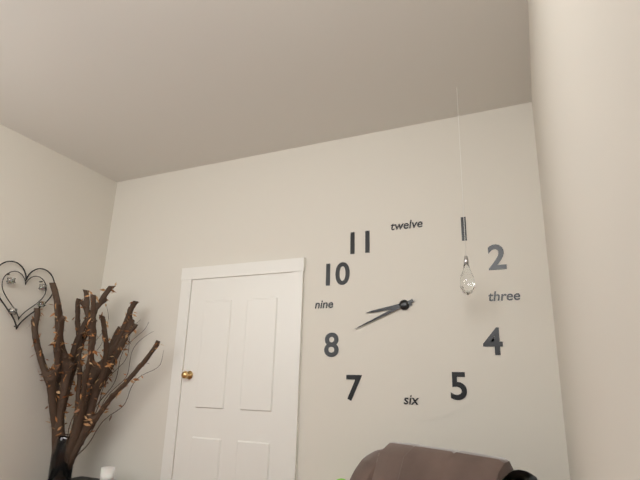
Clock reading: h=8 m=41
